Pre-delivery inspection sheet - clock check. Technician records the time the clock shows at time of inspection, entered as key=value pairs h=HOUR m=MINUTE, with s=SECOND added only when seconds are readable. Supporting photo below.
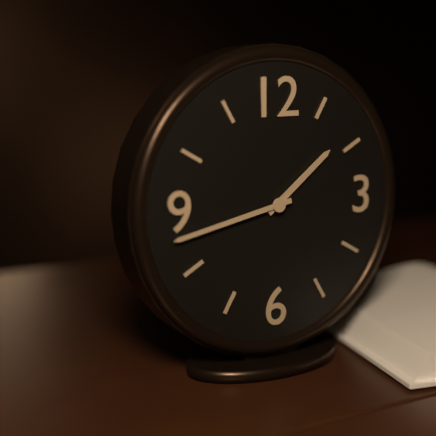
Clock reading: h=1 m=43
